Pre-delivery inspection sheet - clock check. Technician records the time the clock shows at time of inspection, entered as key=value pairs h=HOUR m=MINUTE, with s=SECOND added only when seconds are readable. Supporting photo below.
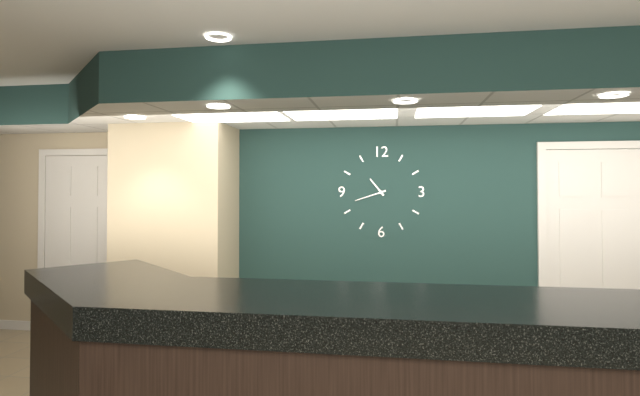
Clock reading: h=10 m=42
